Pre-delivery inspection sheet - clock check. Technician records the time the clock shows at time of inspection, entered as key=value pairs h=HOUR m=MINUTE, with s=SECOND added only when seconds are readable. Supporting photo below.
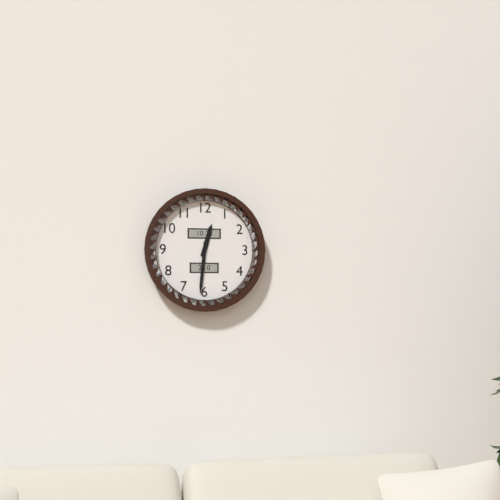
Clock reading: h=12 m=31
